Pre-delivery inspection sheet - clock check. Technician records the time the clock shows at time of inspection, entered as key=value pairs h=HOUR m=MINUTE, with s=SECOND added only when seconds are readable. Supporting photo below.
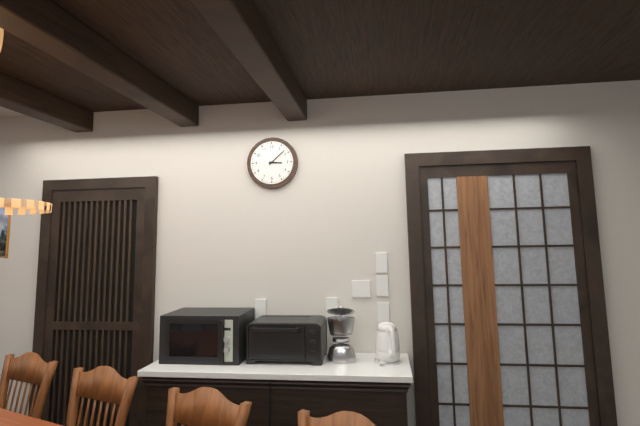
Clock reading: h=3 m=8
